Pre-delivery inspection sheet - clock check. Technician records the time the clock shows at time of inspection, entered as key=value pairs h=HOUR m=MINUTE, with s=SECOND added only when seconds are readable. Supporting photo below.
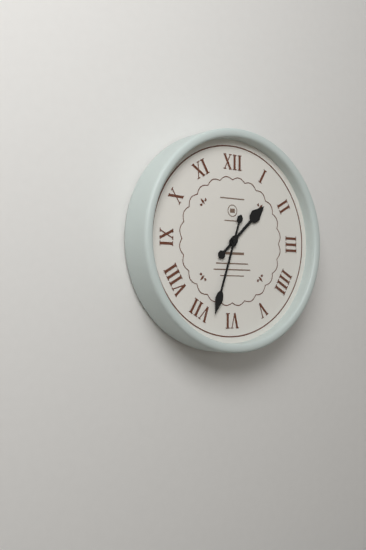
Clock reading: h=1 m=33
